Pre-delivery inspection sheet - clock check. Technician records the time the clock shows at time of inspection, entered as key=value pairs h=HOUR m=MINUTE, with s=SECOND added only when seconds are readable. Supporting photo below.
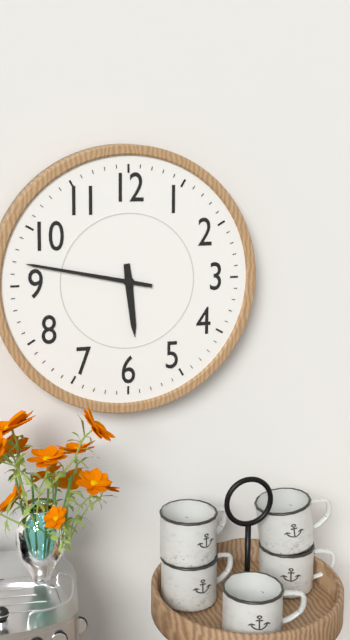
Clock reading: h=5 m=47
